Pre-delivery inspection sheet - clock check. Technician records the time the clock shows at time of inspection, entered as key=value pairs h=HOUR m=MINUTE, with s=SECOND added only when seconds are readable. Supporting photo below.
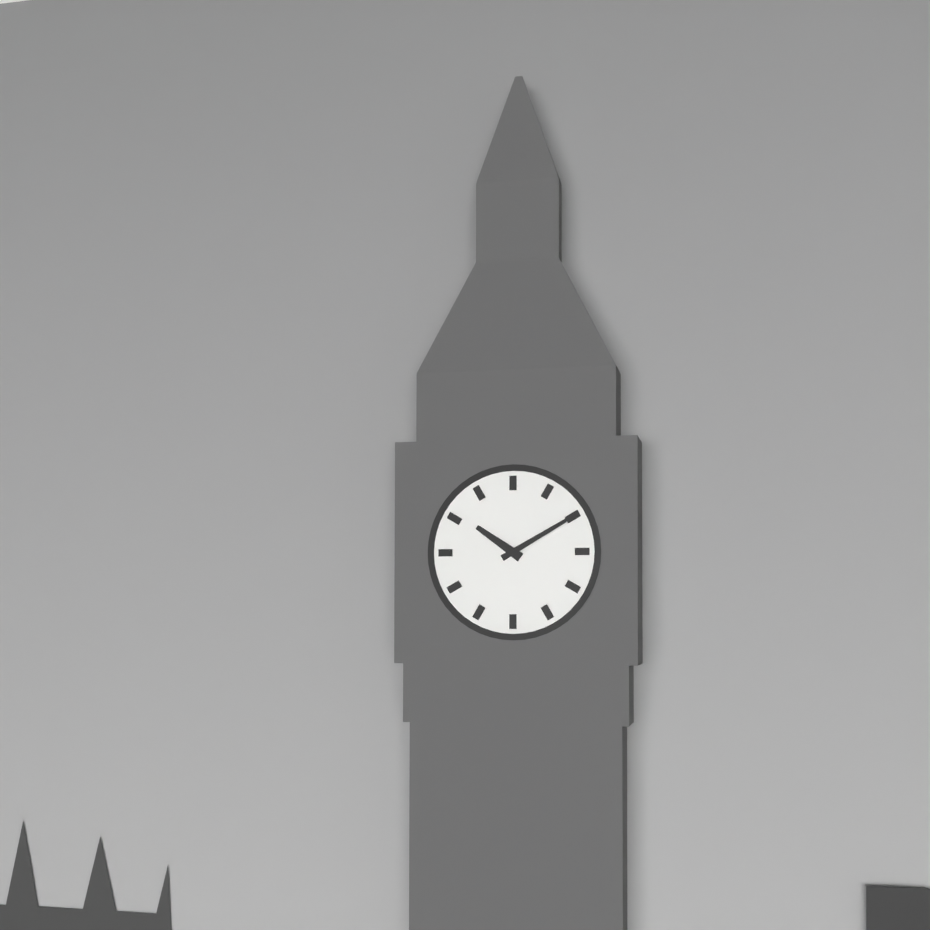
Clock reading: h=10 m=10
